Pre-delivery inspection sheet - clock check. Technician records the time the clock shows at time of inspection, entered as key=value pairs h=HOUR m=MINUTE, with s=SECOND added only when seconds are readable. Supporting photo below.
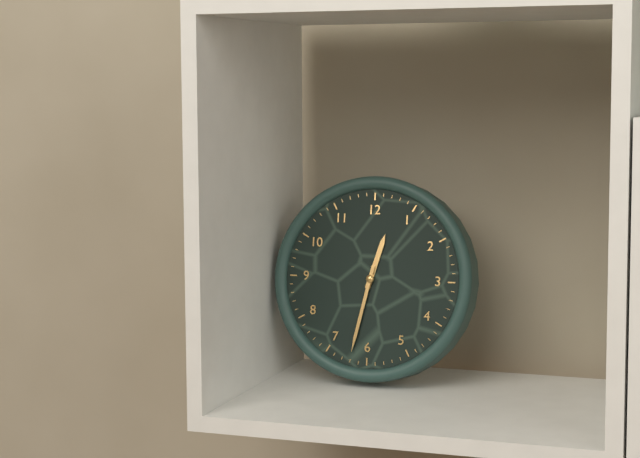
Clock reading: h=12 m=32
